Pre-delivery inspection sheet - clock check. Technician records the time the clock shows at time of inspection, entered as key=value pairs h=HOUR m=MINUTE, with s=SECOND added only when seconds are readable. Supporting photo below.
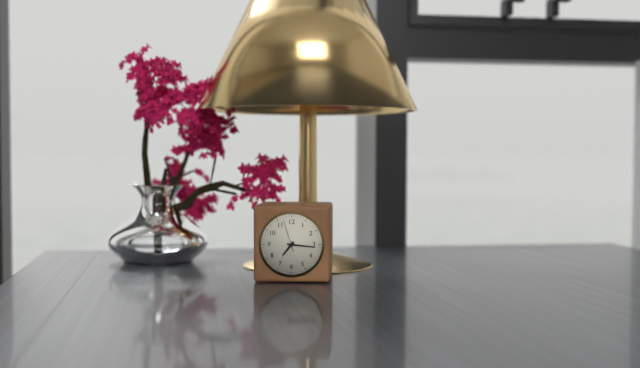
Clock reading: h=7 m=16
